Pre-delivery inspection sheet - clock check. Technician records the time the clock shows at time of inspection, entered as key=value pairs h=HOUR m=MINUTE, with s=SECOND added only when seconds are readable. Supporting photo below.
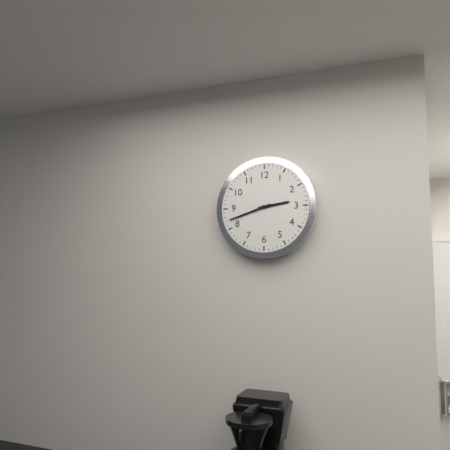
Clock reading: h=2 m=42
